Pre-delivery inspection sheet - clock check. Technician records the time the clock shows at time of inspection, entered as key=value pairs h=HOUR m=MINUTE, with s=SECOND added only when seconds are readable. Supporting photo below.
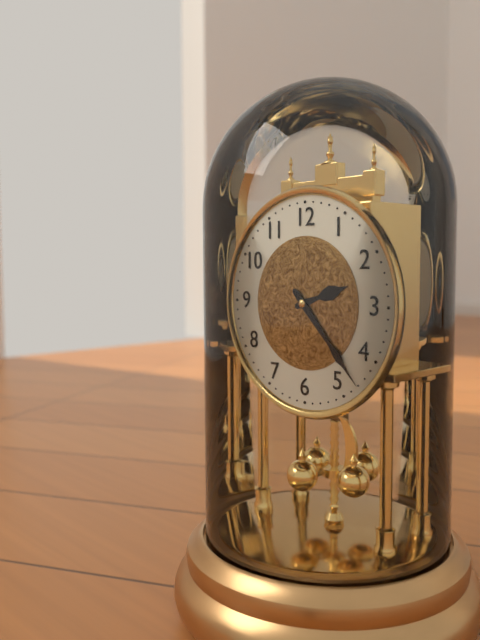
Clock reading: h=2 m=23
